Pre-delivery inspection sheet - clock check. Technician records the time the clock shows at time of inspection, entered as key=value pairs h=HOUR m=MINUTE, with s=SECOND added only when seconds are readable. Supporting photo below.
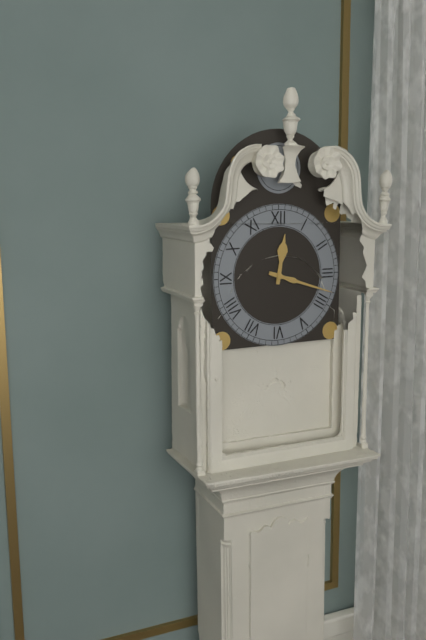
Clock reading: h=12 m=18
